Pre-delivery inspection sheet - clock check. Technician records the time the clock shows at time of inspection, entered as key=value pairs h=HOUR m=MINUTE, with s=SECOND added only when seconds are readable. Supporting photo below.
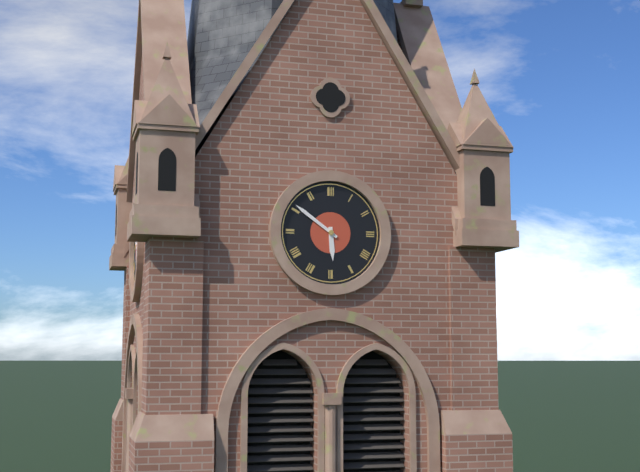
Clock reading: h=5 m=51
